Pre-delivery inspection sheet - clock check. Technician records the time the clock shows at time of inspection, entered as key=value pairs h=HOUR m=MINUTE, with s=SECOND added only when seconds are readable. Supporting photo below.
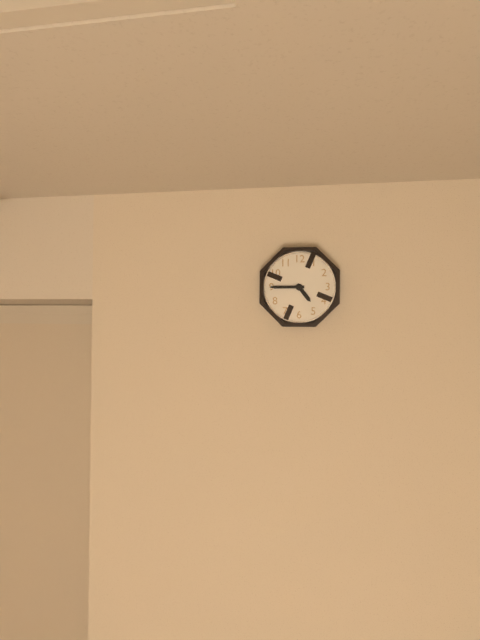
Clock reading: h=4 m=45
